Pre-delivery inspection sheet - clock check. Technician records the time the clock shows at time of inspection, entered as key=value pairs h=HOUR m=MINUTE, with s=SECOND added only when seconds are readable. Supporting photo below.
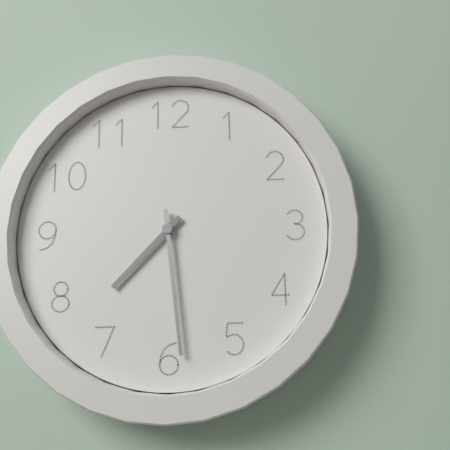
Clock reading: h=7 m=29
